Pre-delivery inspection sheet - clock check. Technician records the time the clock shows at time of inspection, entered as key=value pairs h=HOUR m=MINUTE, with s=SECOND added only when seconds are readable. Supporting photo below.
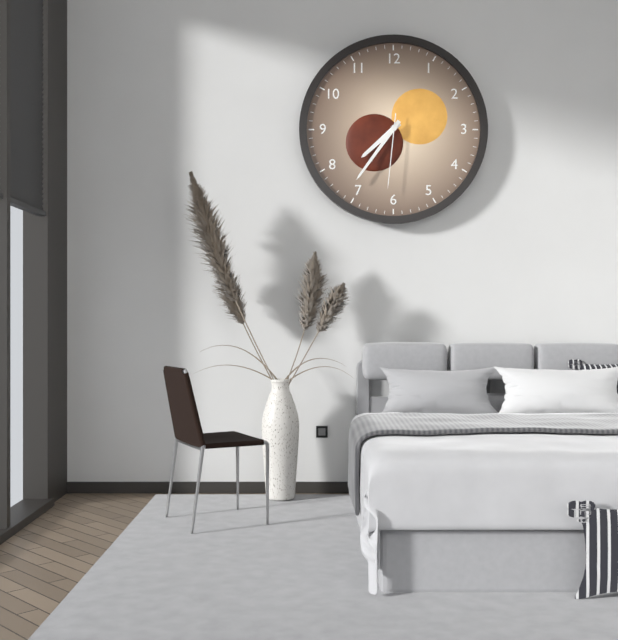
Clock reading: h=7 m=36 s=31
